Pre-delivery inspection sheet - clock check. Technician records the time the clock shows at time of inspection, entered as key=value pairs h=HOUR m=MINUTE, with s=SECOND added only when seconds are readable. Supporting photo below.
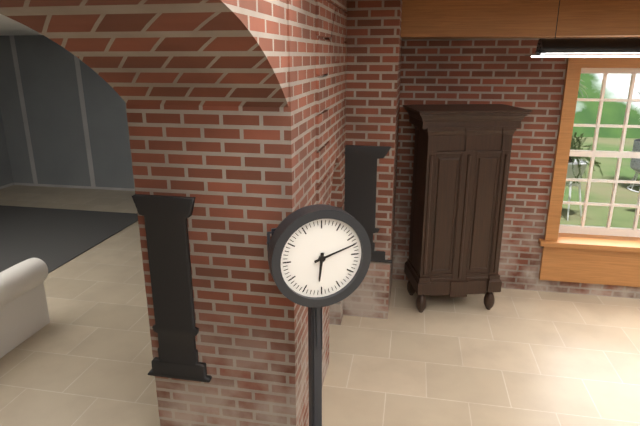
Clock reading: h=6 m=12
